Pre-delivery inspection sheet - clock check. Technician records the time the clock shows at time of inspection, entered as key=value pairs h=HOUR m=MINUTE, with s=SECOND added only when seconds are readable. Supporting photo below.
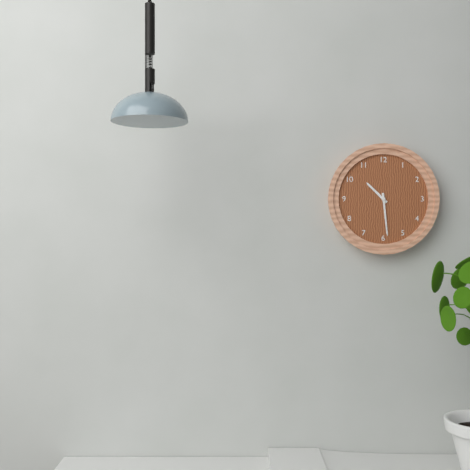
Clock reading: h=10 m=29
